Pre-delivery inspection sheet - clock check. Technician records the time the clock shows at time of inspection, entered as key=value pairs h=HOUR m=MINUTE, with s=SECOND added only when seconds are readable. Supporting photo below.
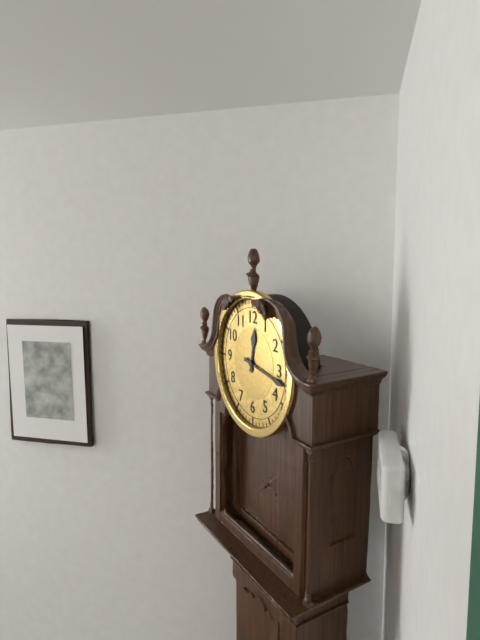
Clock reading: h=12 m=17
